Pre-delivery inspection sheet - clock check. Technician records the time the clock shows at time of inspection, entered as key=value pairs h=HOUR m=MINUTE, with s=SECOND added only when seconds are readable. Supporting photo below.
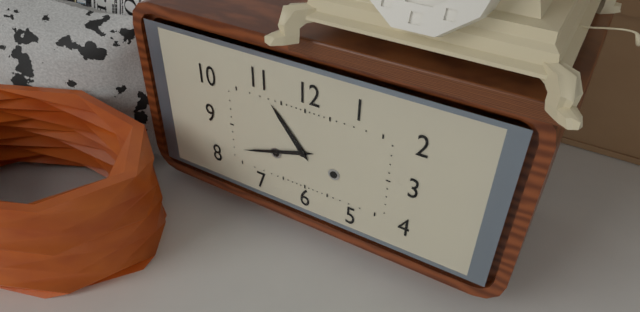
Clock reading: h=10 m=42
